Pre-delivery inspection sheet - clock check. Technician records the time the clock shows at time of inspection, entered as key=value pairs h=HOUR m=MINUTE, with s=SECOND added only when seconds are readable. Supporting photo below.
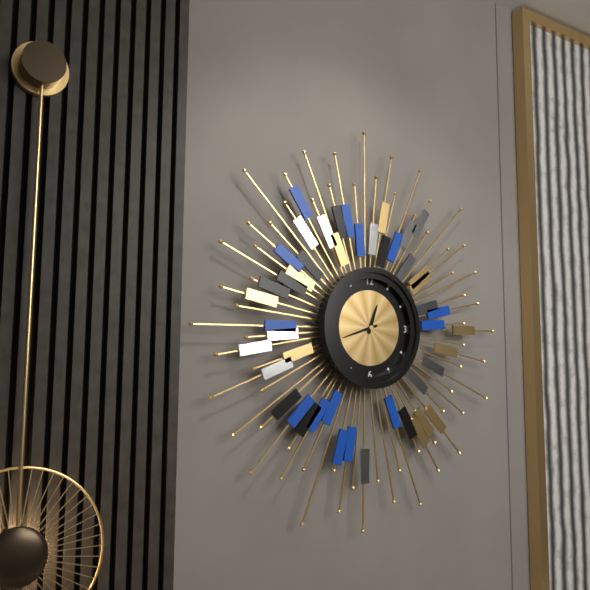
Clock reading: h=12 m=42
